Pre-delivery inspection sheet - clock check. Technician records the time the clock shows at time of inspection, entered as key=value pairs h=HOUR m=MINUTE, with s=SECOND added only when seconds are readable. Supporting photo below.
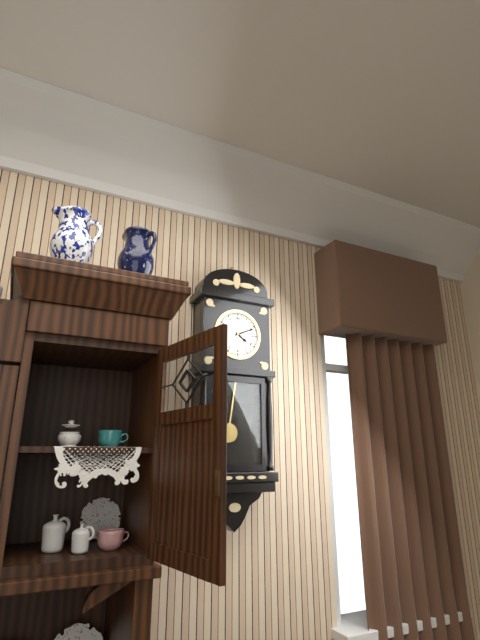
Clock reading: h=4 m=11
